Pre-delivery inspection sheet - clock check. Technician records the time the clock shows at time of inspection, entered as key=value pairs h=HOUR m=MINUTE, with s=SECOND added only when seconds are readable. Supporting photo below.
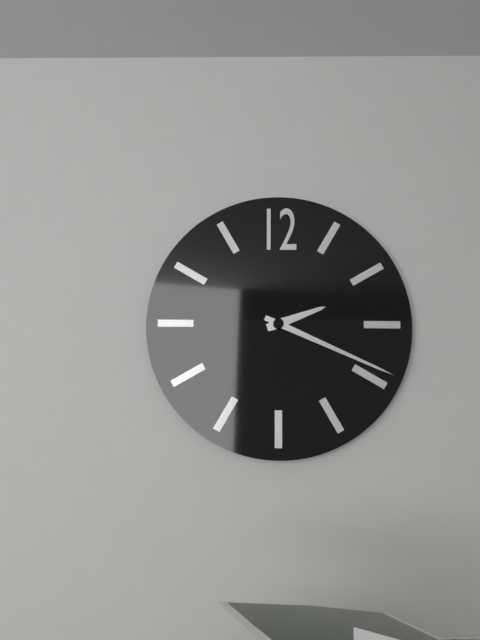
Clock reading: h=2 m=19
